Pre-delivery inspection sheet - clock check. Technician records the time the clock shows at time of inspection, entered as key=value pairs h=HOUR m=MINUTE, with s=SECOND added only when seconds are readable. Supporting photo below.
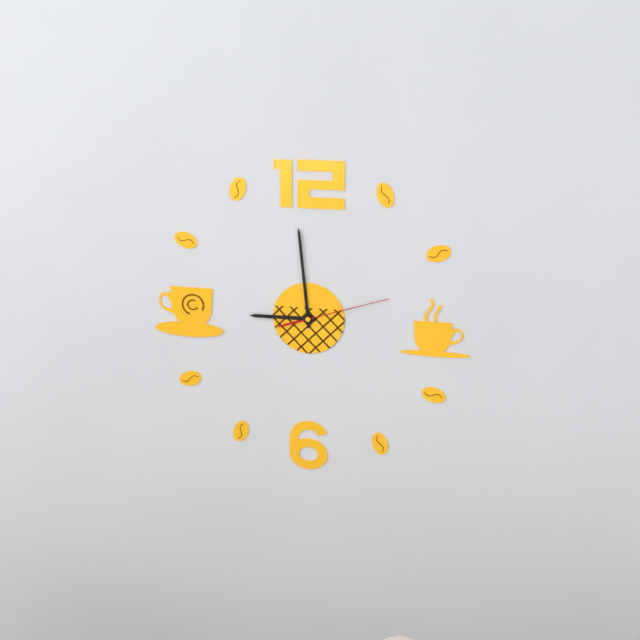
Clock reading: h=8 m=59 s=12
